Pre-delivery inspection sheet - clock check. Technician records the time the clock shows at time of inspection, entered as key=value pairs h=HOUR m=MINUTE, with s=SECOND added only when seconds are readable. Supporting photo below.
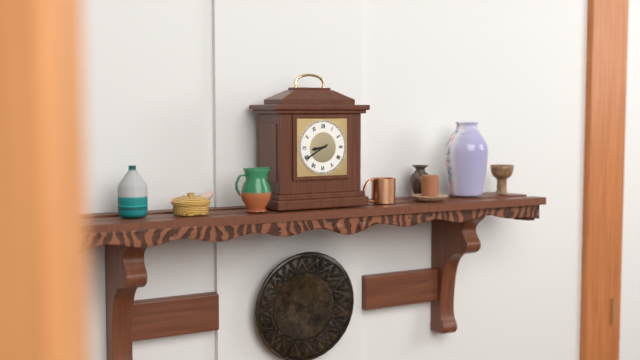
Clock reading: h=8 m=40
